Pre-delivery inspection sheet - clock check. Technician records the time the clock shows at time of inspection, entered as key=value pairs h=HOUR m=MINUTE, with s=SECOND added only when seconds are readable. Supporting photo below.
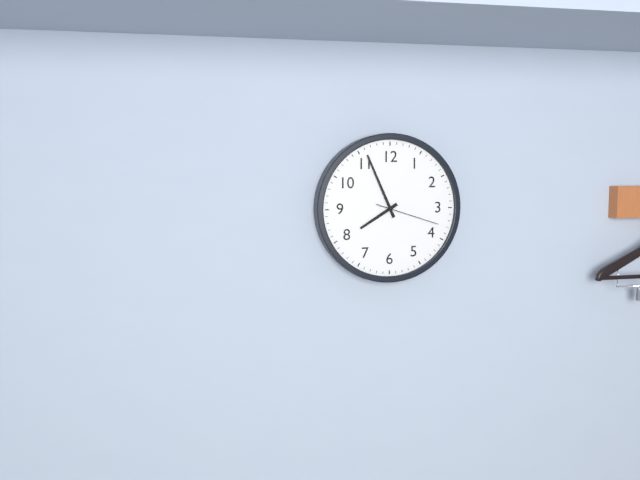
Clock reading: h=7 m=56 s=18
